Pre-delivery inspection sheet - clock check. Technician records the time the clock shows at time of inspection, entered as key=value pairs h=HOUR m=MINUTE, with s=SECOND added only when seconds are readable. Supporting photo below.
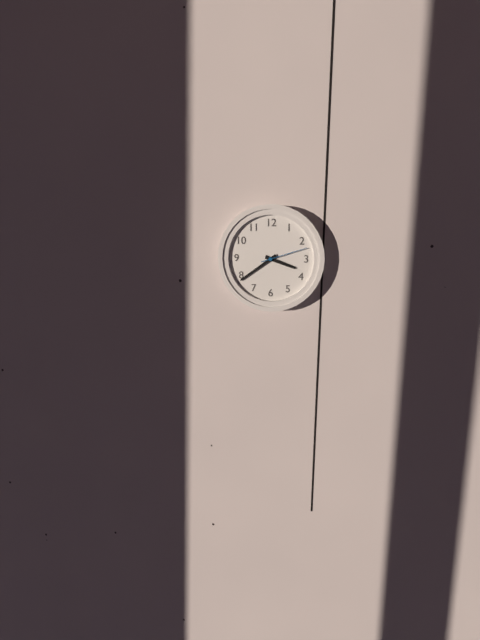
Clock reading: h=3 m=39
